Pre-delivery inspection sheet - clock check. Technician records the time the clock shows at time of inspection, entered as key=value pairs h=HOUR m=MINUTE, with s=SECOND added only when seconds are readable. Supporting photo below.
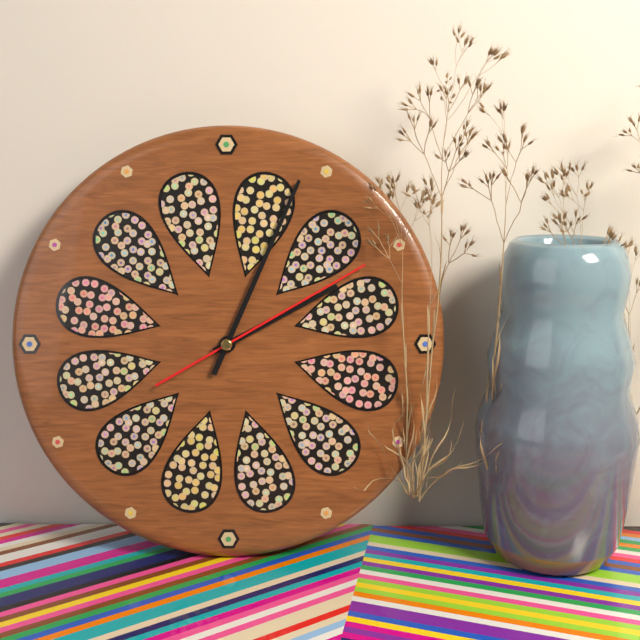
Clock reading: h=2 m=4 s=10
